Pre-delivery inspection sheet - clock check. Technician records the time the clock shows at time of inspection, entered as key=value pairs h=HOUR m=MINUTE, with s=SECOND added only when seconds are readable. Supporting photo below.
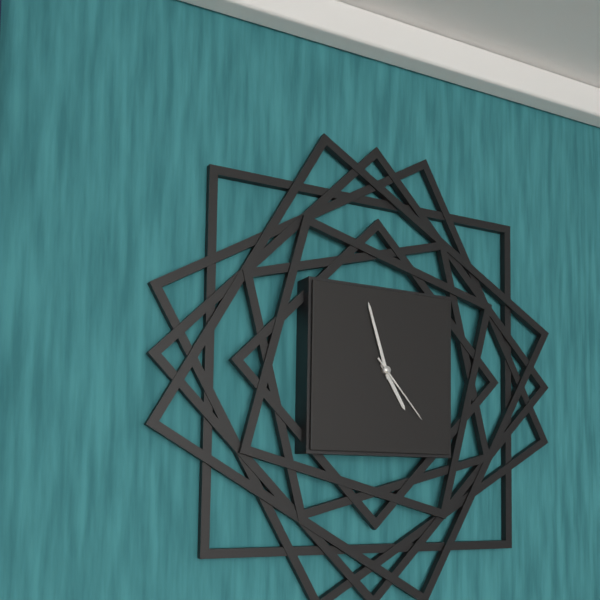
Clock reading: h=4 m=57 s=23
